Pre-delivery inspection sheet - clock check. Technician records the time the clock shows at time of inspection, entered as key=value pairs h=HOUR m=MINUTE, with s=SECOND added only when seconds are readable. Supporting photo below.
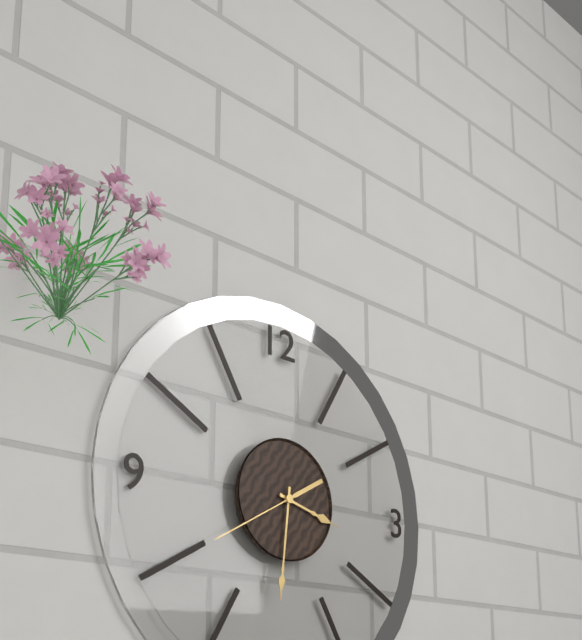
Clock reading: h=3 m=31 s=40
